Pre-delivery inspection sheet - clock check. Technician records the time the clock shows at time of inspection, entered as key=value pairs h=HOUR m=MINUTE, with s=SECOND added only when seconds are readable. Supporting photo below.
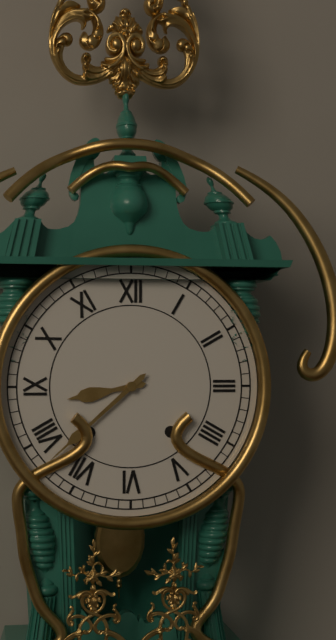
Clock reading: h=8 m=38
